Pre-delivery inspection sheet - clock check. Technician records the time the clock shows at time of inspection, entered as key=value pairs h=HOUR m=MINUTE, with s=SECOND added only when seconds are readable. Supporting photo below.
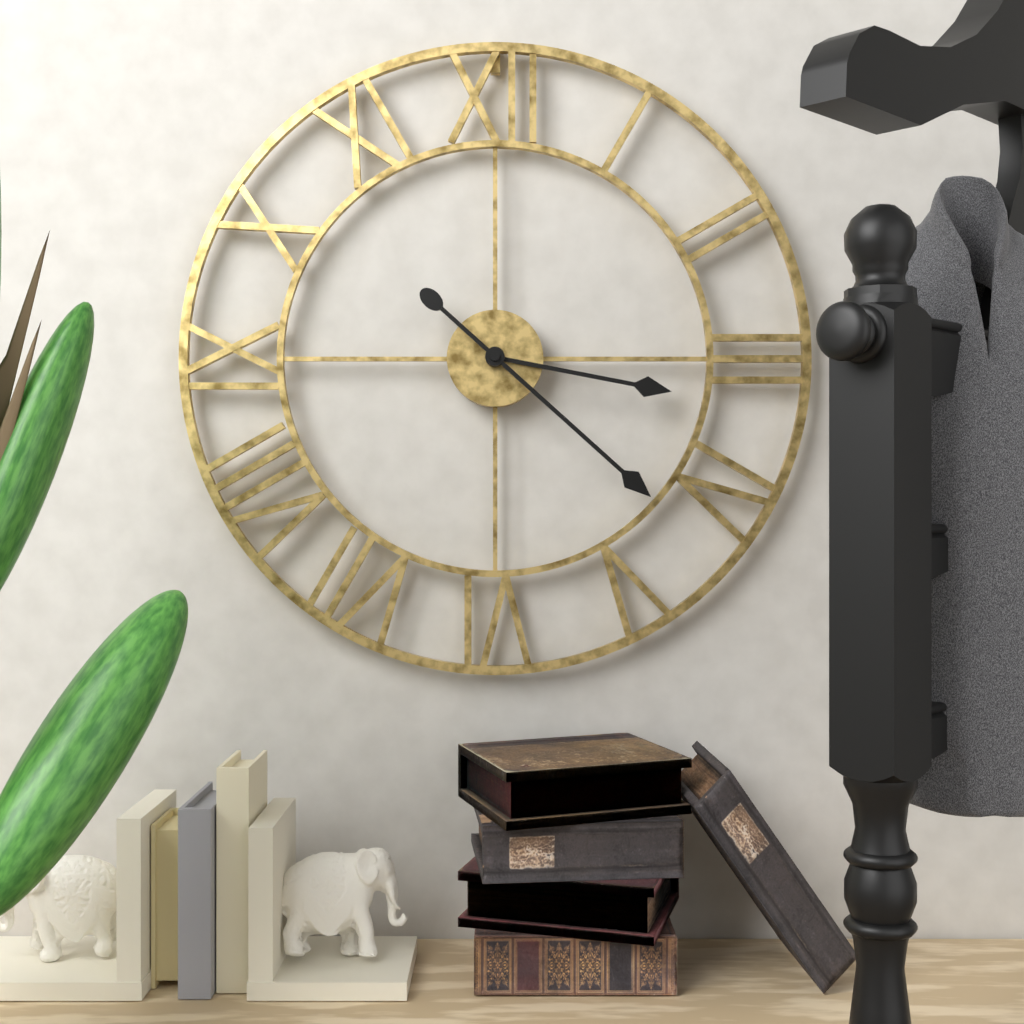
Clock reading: h=3 m=22
